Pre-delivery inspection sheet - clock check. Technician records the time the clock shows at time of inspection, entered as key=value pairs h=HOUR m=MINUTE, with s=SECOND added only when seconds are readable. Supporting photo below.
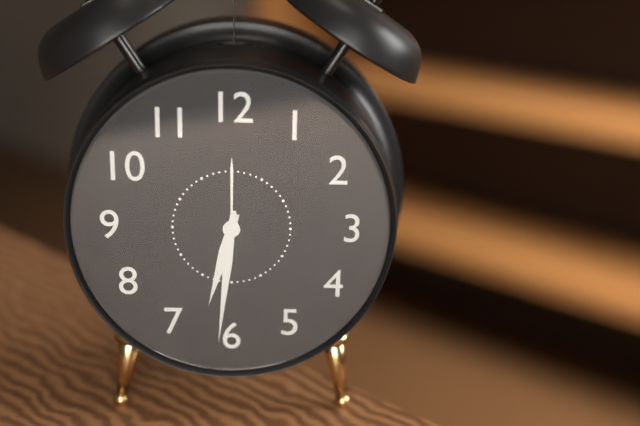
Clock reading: h=6 m=31
